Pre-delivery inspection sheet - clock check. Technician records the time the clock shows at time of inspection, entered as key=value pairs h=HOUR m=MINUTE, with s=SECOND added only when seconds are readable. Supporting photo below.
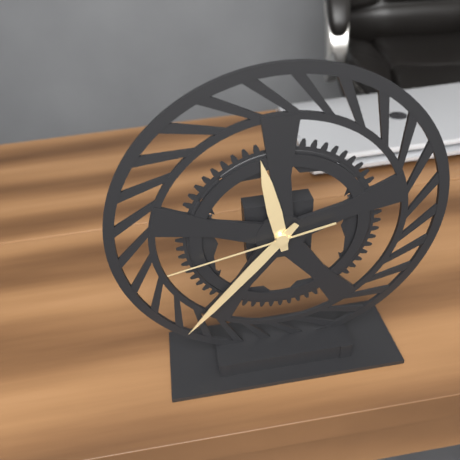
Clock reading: h=11 m=37 s=43
